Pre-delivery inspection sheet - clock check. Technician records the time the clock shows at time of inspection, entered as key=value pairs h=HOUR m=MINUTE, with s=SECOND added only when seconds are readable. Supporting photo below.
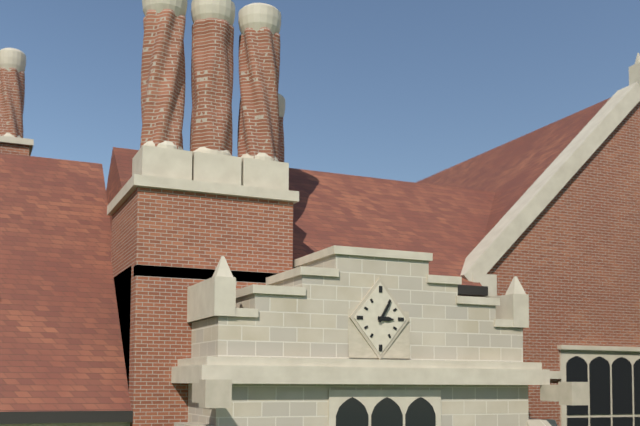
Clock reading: h=3 m=5
